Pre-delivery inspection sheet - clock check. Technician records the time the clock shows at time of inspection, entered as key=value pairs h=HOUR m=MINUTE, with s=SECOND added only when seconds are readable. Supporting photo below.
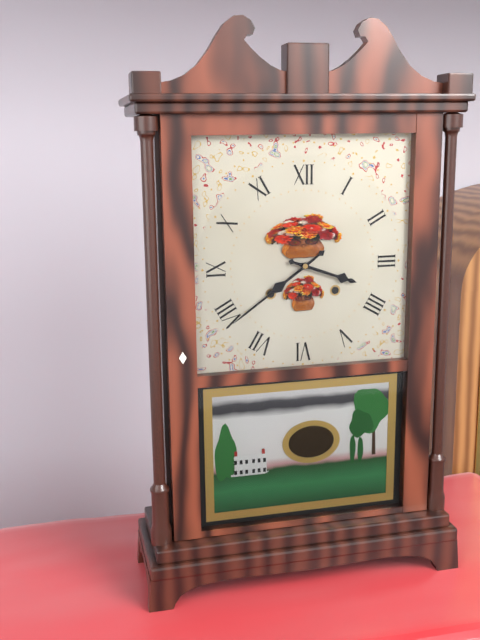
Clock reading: h=3 m=39
